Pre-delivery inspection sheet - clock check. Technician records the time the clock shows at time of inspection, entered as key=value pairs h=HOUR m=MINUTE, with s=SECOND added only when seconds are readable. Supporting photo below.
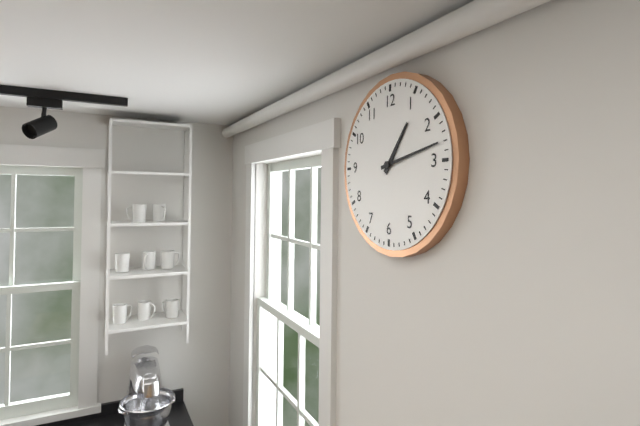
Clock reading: h=1 m=13
